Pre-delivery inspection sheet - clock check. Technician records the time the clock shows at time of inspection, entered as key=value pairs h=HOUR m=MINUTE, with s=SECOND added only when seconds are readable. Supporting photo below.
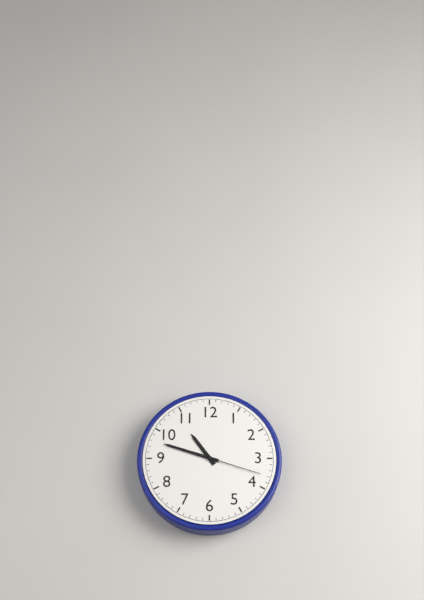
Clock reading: h=10 m=48 s=18
